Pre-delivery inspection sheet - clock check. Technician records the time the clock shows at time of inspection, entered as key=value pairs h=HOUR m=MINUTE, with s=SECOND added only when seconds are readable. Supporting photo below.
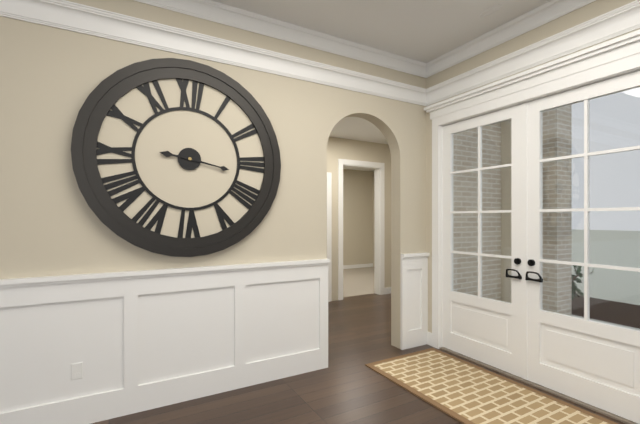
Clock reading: h=9 m=17
